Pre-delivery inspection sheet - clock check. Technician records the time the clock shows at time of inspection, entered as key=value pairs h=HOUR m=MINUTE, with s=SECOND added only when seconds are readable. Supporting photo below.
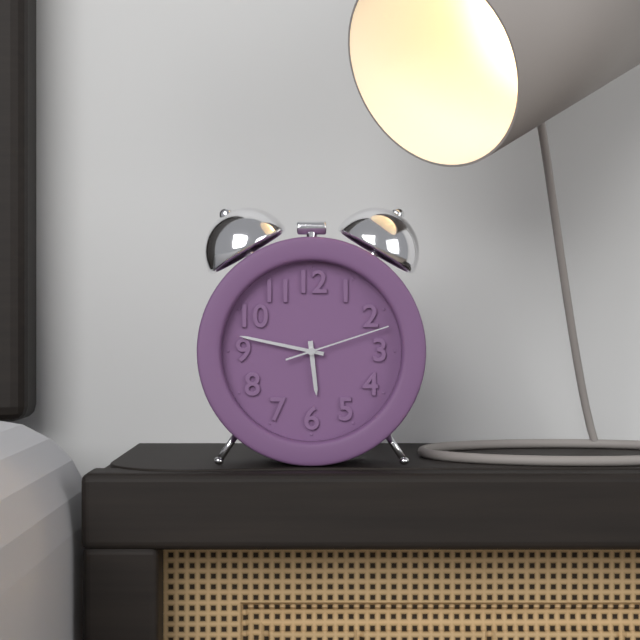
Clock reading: h=5 m=47 s=12
